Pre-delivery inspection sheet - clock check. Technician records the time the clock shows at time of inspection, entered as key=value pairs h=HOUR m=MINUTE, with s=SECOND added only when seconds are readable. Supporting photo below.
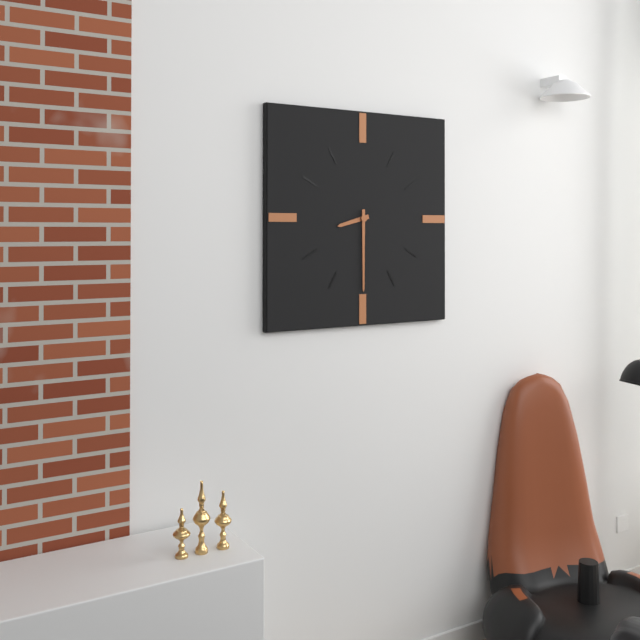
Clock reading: h=8 m=30
